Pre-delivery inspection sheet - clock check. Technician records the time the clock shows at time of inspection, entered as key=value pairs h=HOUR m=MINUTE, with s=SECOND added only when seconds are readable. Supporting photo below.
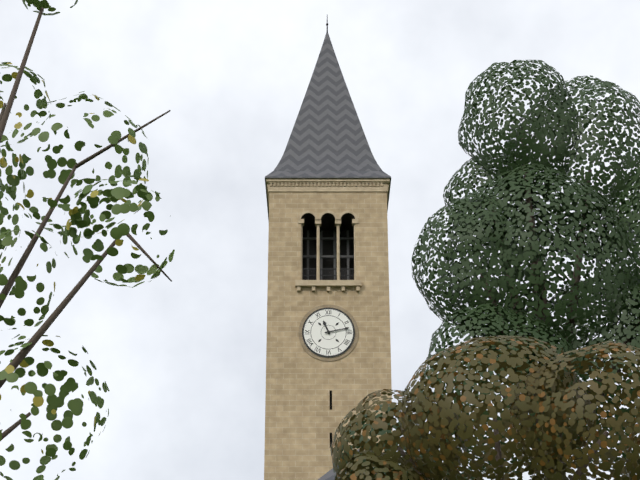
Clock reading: h=11 m=13
